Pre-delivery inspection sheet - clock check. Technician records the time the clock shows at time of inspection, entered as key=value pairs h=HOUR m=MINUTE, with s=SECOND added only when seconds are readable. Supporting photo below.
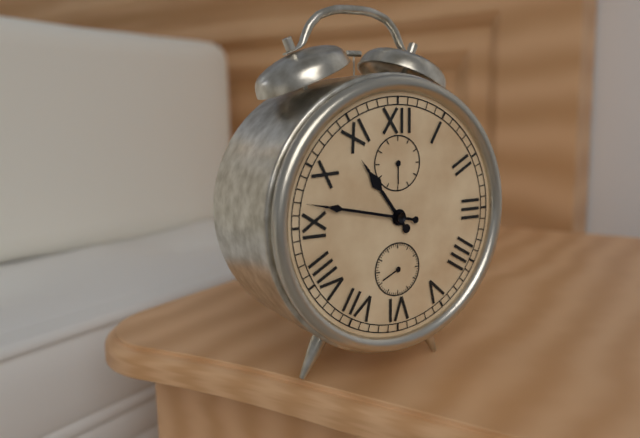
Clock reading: h=10 m=47
